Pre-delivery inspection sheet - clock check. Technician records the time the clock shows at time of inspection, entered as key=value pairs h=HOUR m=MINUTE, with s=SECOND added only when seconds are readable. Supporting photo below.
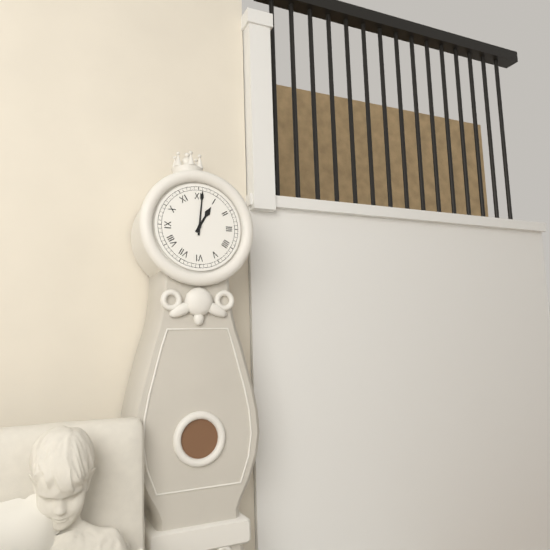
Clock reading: h=1 m=1
